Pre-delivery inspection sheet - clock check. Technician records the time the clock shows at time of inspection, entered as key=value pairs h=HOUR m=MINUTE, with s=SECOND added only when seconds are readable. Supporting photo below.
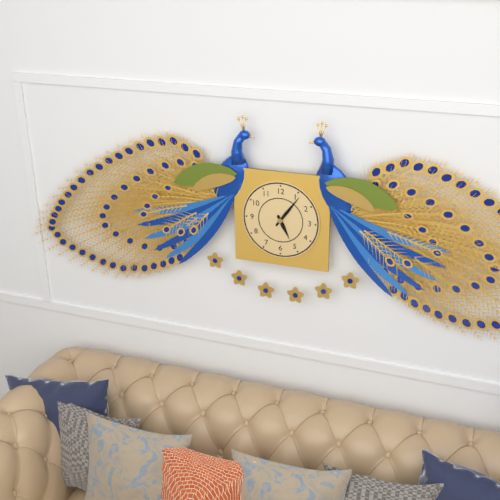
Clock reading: h=5 m=6
